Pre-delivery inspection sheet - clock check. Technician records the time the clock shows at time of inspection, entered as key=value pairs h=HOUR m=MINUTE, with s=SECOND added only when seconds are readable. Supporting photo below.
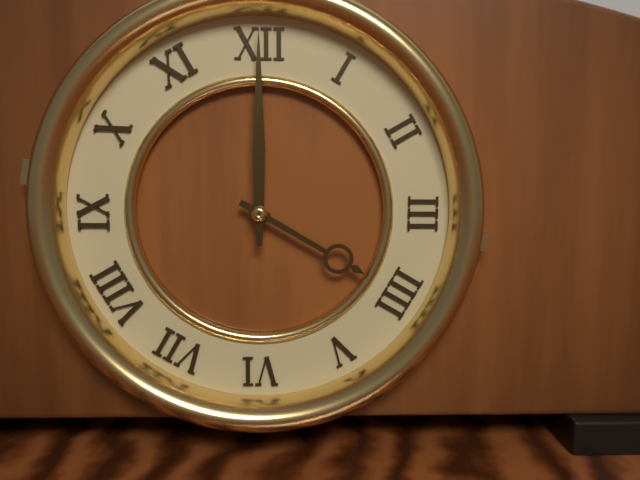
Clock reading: h=4 m=0
